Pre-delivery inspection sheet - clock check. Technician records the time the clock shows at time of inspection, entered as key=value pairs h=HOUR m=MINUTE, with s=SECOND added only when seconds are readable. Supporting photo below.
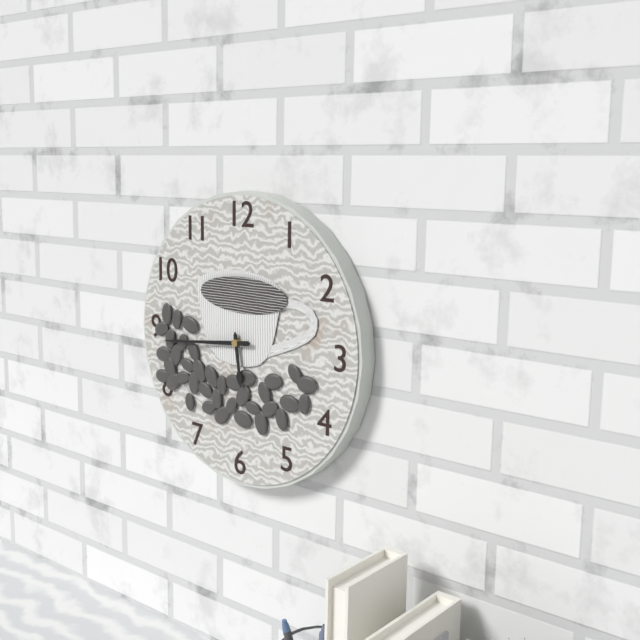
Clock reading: h=5 m=44
